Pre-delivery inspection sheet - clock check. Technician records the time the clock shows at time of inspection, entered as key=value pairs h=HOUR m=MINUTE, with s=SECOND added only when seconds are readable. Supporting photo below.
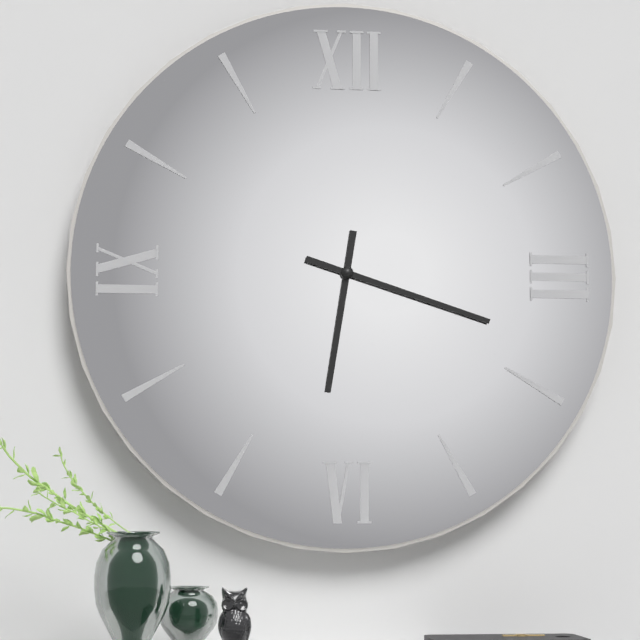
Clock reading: h=6 m=18
